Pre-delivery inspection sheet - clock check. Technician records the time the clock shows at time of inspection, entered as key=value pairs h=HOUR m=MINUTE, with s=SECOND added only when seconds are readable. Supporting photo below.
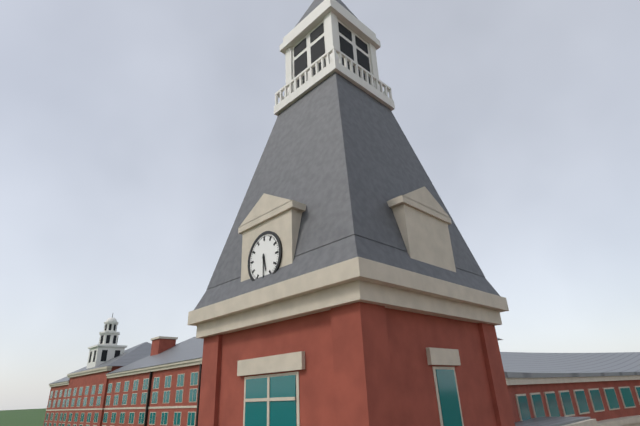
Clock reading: h=5 m=30
